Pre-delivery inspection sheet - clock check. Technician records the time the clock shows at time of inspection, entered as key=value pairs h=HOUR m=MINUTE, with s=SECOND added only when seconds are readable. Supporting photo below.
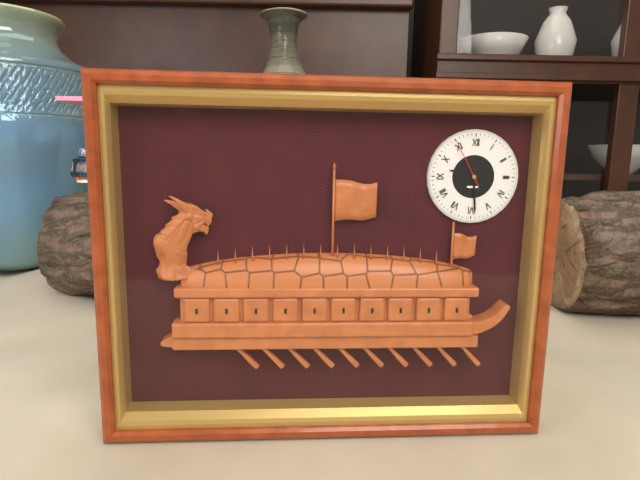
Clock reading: h=9 m=29
